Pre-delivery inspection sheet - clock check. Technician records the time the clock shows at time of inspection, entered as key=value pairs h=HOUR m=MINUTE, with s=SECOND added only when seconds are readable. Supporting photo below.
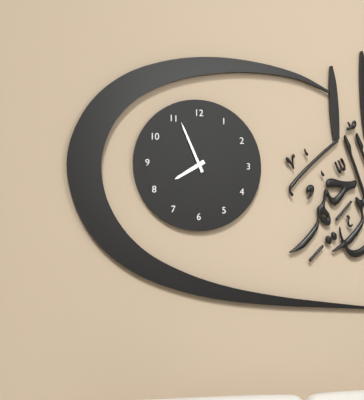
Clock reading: h=7 m=56
